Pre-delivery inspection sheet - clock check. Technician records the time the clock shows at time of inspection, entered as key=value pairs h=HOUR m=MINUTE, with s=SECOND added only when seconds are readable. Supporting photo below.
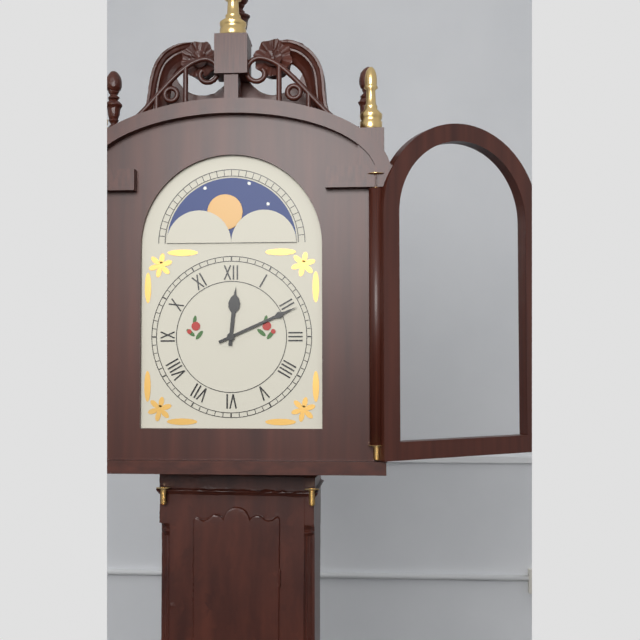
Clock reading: h=12 m=11
